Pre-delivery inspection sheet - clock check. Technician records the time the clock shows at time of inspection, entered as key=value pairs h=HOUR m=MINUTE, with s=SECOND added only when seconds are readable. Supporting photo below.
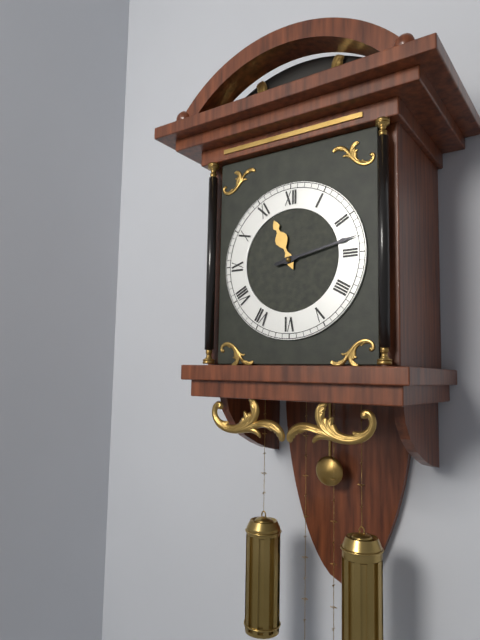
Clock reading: h=11 m=13
